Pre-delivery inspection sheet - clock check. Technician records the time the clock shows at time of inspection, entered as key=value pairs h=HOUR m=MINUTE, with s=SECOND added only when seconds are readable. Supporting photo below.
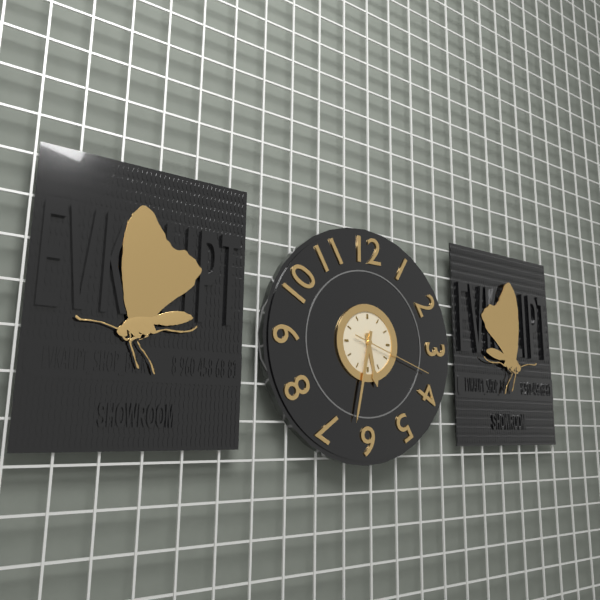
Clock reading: h=5 m=32 s=18
